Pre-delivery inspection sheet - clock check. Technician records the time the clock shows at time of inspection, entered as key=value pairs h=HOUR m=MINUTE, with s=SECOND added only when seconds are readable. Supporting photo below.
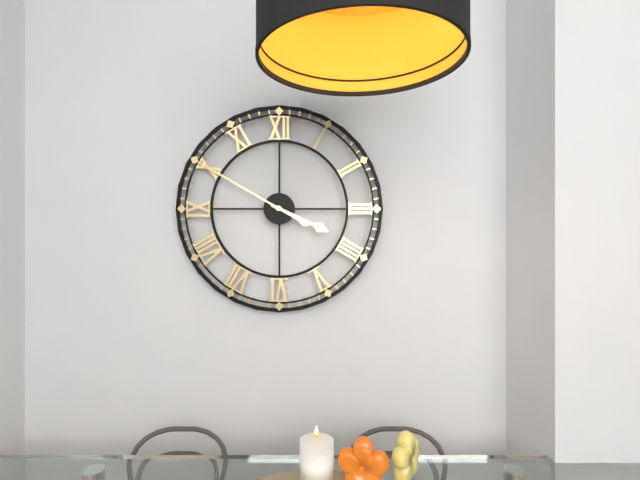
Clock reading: h=3 m=50
